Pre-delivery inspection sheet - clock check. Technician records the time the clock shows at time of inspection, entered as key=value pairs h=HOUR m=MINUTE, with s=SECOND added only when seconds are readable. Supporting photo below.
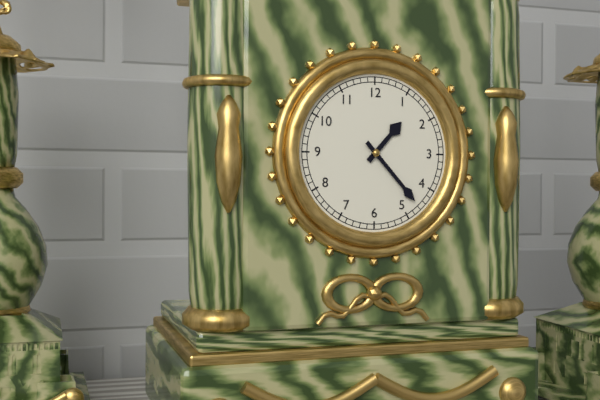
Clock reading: h=1 m=23
